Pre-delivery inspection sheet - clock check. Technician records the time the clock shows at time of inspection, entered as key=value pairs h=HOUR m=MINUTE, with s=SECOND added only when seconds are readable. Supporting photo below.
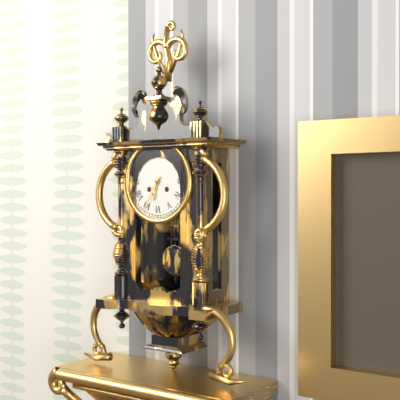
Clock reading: h=6 m=35
